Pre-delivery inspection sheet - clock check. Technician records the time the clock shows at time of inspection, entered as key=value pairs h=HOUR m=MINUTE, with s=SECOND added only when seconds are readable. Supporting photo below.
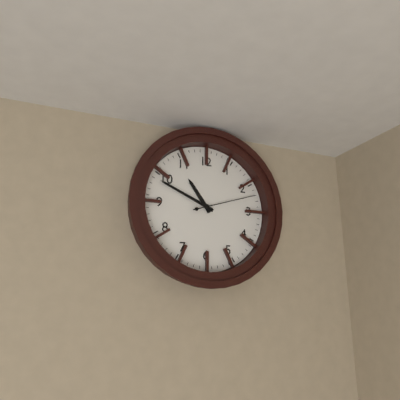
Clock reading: h=10 m=49 s=12
